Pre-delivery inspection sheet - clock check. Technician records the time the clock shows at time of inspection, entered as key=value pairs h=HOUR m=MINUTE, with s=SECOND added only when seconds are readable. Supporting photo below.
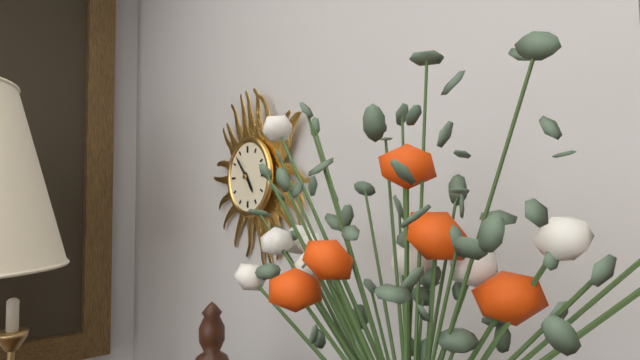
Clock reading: h=4 m=53
